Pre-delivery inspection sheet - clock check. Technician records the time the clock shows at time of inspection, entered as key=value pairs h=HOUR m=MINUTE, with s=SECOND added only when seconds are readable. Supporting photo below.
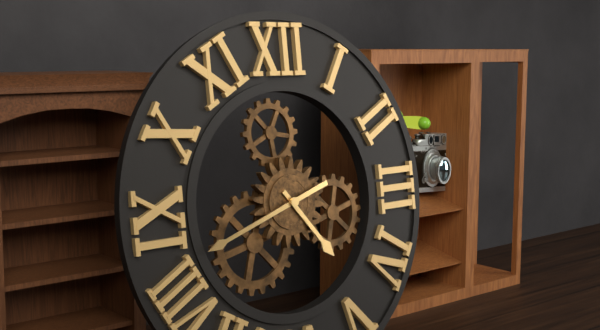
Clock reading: h=4 m=42
